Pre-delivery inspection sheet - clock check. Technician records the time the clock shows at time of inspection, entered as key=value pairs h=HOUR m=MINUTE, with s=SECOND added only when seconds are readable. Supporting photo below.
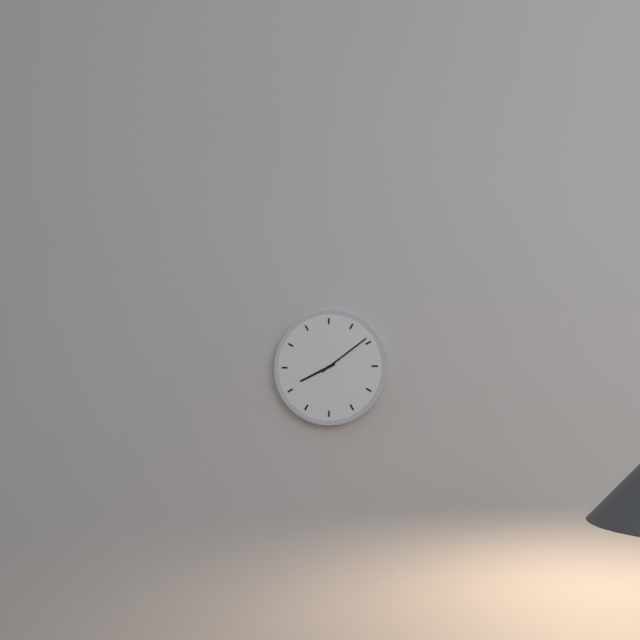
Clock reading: h=8 m=9
